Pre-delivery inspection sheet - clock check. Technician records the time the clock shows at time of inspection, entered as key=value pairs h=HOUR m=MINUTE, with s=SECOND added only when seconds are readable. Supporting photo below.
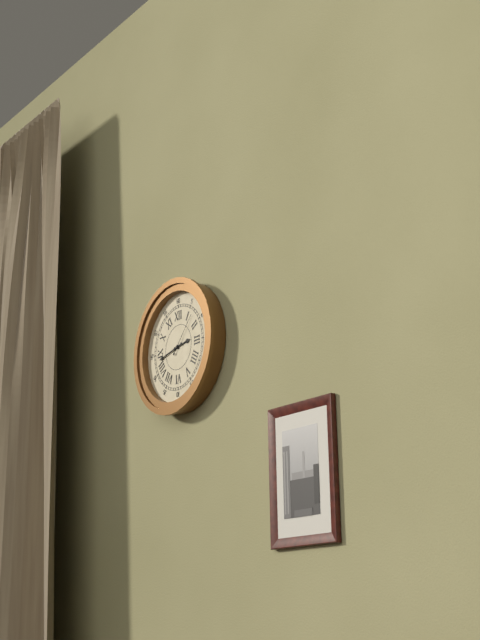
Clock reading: h=2 m=43
